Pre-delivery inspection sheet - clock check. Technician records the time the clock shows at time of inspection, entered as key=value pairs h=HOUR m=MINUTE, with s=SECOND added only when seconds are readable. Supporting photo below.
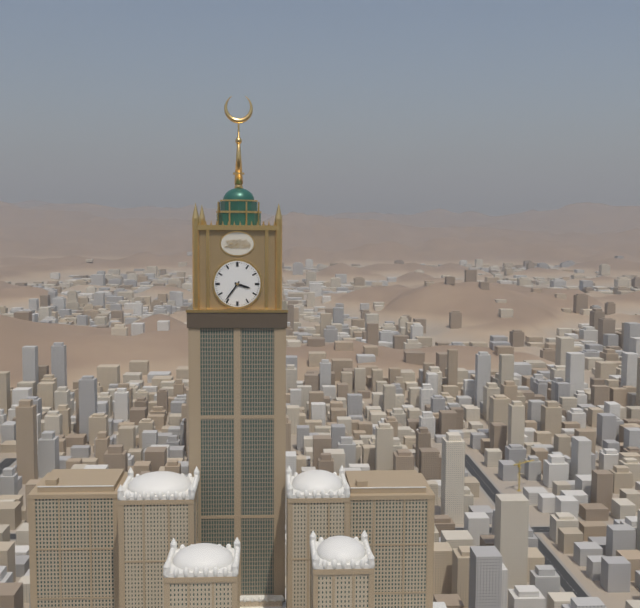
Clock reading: h=3 m=36
